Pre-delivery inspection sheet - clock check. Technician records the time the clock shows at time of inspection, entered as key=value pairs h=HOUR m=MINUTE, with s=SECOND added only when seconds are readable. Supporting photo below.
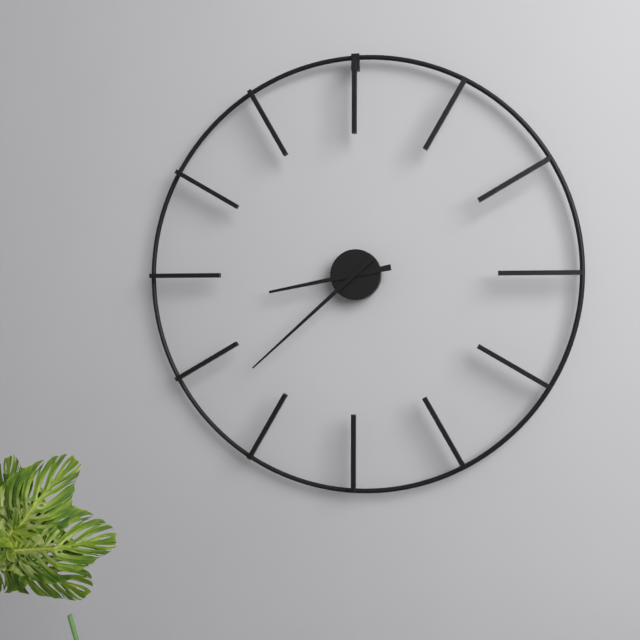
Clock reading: h=8 m=38
